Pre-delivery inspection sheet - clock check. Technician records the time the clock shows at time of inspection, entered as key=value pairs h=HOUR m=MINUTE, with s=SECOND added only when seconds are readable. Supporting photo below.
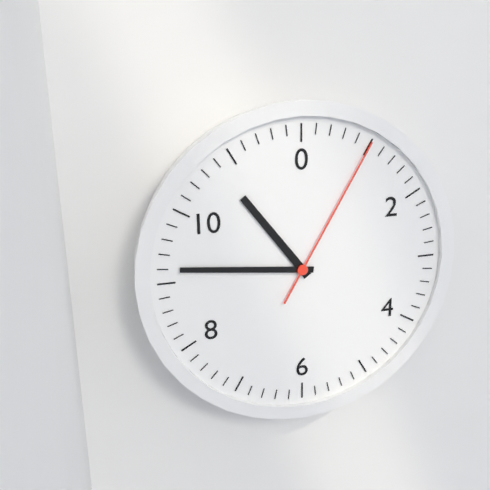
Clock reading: h=10 m=46 s=5
